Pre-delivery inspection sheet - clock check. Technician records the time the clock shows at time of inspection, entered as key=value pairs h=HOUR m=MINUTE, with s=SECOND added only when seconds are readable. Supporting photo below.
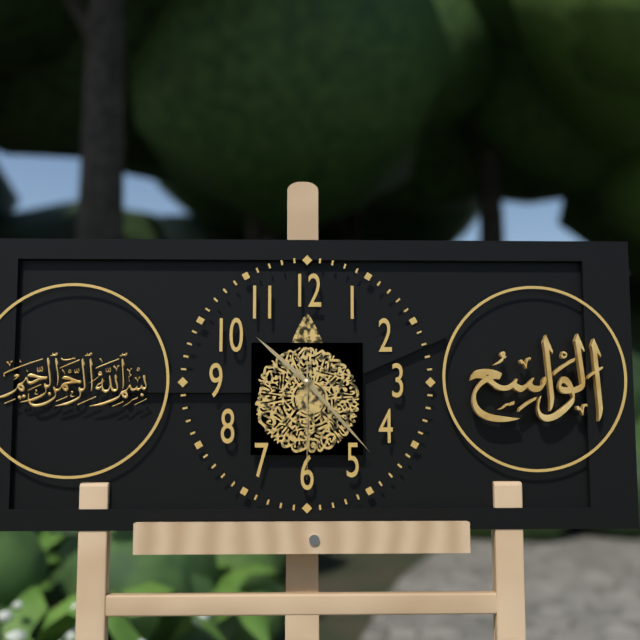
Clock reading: h=10 m=23 s=30
